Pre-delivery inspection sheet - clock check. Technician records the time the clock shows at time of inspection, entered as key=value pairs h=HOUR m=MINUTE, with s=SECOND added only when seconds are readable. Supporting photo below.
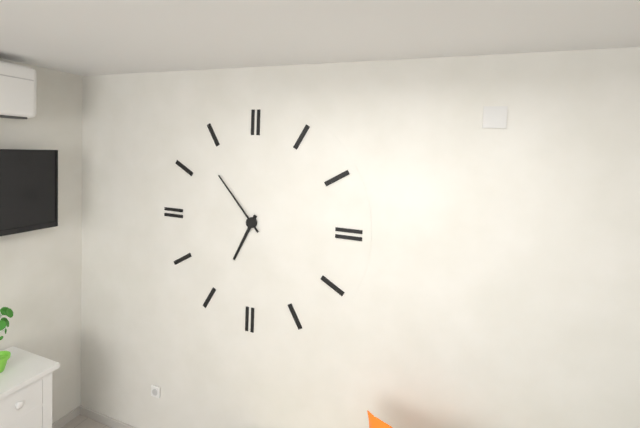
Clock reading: h=6 m=53
